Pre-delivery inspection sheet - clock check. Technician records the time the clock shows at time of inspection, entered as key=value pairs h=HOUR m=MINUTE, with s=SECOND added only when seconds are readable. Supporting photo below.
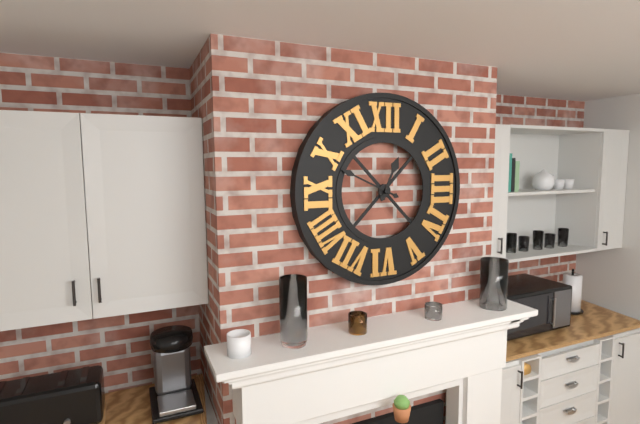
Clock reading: h=12 m=49
